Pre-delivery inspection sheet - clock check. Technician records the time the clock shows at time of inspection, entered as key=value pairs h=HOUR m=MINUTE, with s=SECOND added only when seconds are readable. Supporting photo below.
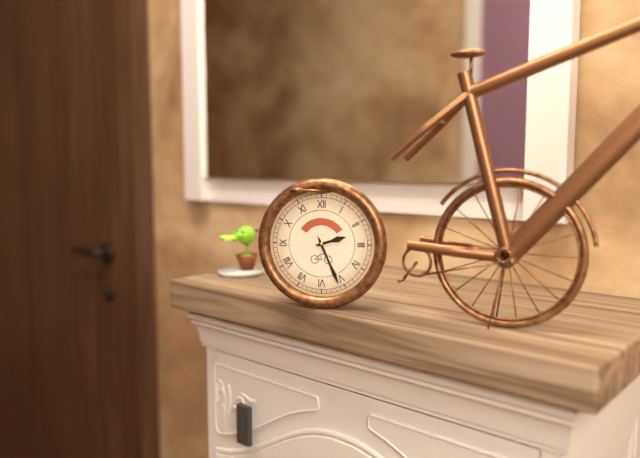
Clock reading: h=2 m=26
